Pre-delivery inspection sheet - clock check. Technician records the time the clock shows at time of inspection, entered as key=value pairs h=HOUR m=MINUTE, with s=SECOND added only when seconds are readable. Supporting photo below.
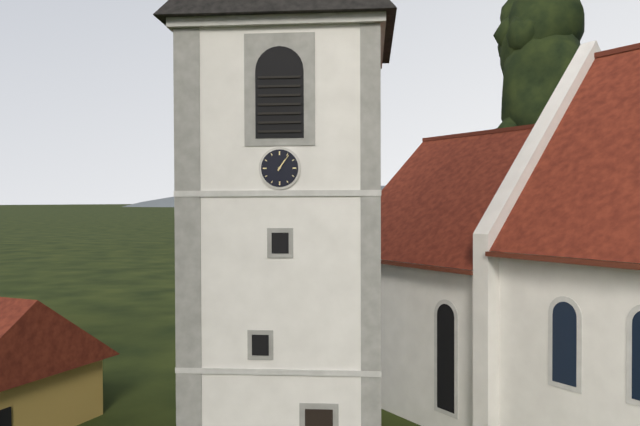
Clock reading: h=1 m=6
